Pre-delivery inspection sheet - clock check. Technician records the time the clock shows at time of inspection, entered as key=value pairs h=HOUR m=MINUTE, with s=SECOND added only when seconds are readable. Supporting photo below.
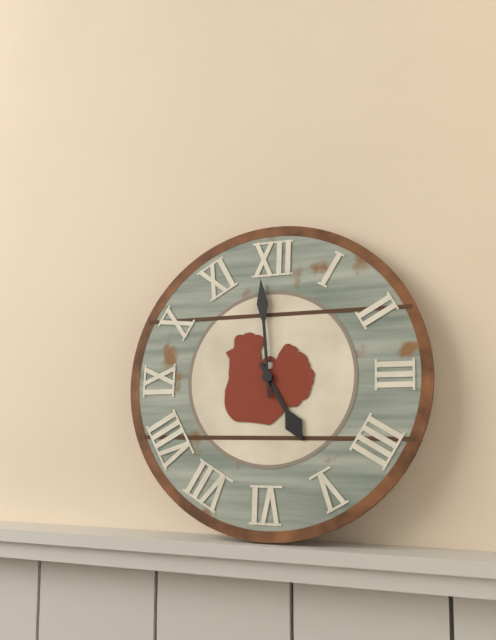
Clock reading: h=4 m=59
